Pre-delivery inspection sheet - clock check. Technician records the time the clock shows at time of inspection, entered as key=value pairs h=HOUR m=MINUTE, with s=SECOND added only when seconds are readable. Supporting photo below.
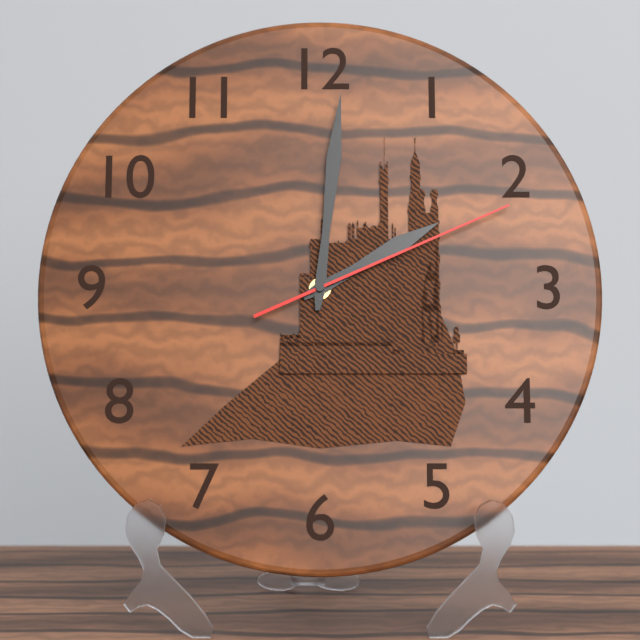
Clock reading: h=2 m=1 s=11
